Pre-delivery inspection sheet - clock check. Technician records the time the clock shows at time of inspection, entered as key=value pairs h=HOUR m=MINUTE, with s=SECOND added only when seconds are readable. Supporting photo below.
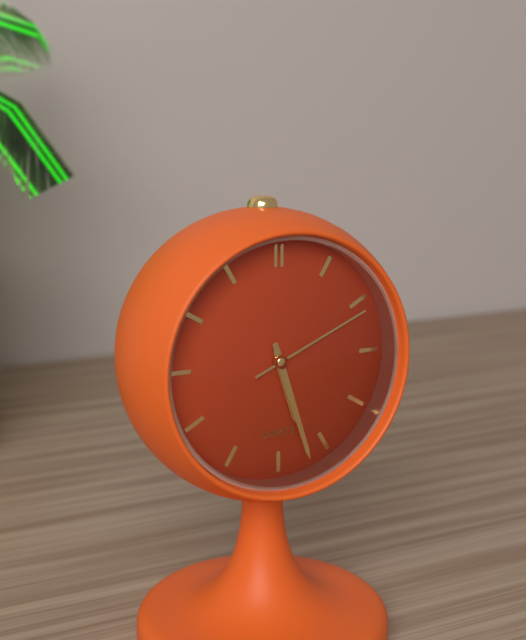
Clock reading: h=5 m=27 s=11
